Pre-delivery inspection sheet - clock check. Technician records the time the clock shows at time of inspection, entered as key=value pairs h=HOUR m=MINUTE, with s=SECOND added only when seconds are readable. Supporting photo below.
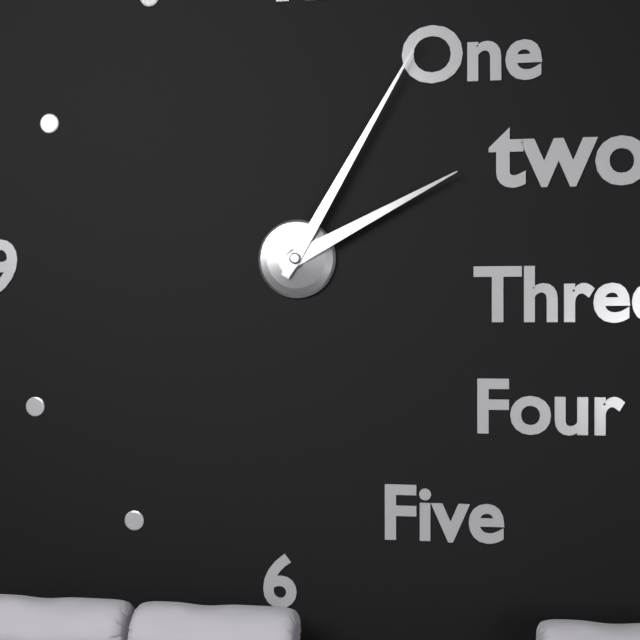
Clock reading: h=2 m=5
